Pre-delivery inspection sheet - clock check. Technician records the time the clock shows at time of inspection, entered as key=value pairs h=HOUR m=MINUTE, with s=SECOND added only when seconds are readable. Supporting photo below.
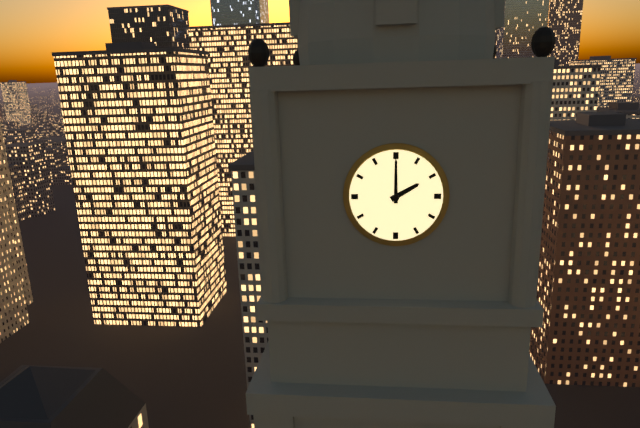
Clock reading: h=2 m=0
